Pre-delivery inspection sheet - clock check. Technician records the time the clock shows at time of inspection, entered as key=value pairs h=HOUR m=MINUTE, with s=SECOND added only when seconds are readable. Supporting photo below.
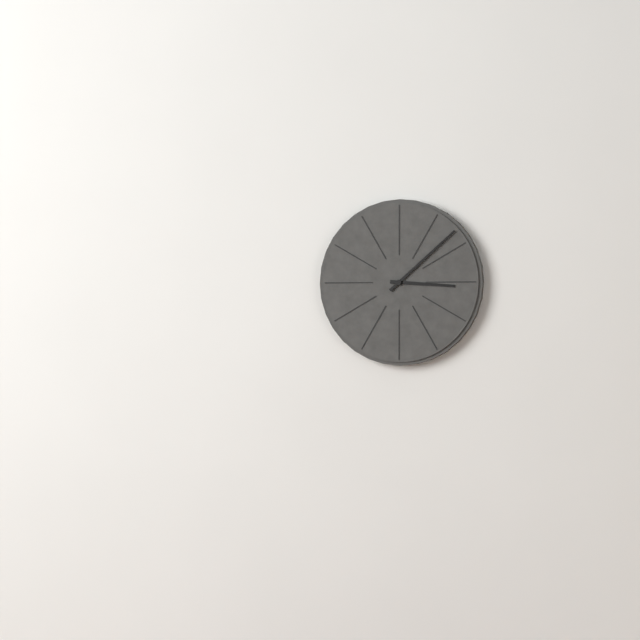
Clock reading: h=3 m=8
